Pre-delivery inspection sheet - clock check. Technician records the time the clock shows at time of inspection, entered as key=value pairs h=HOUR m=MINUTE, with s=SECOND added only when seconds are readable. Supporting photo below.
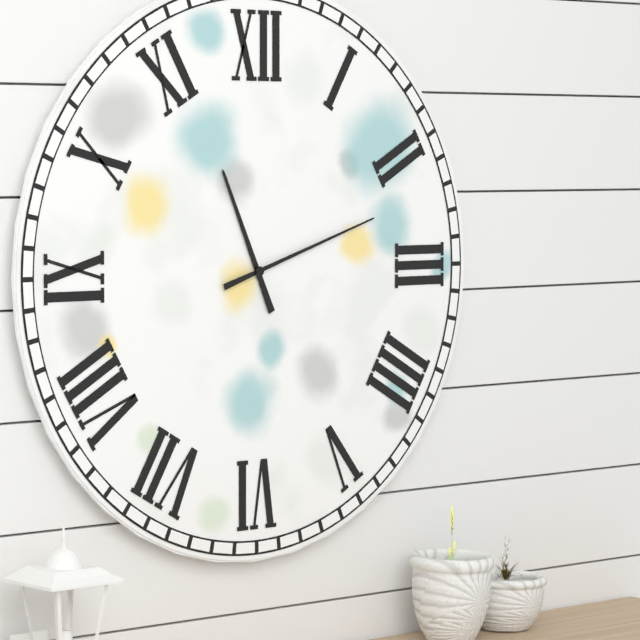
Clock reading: h=11 m=12
